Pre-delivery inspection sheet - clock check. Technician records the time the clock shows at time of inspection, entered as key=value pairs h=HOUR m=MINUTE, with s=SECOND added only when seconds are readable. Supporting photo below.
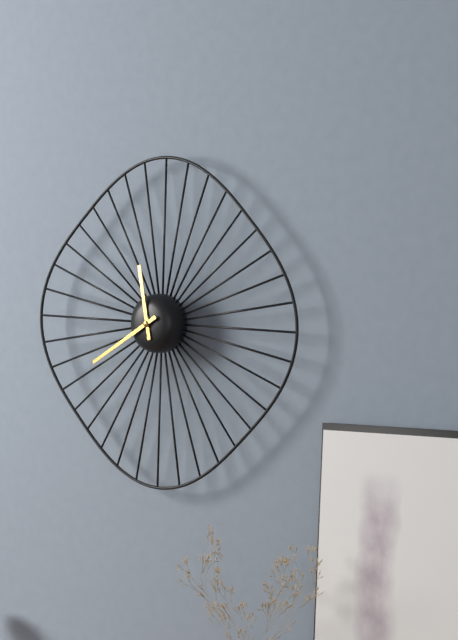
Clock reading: h=11 m=40
